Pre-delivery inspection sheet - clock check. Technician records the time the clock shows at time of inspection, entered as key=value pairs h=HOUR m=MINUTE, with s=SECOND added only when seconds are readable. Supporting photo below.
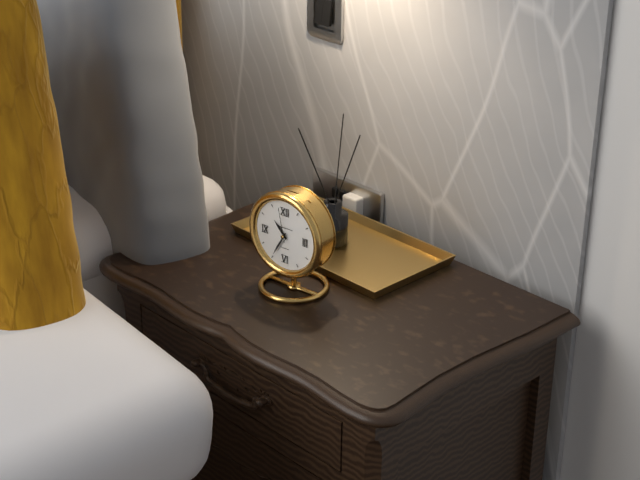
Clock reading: h=10 m=35
